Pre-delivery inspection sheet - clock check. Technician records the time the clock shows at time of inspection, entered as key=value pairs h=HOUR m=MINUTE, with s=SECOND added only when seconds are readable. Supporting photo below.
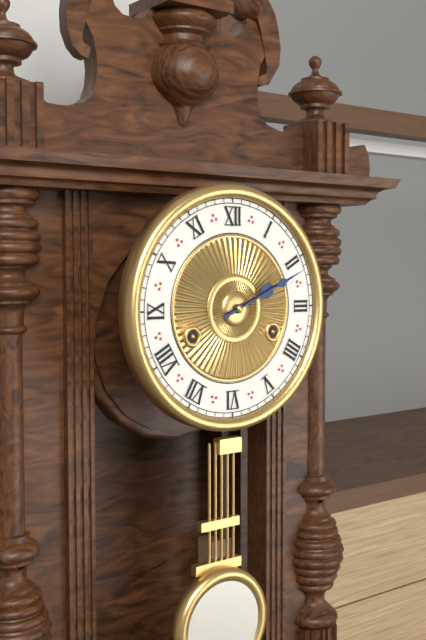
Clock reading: h=2 m=11
